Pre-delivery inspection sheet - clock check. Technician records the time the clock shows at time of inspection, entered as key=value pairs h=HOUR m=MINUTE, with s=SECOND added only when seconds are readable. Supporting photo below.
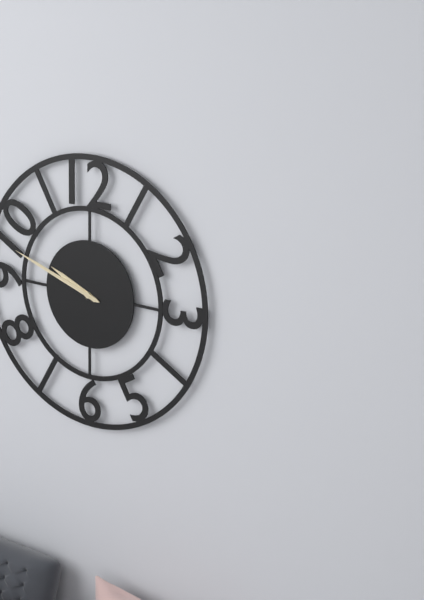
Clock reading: h=9 m=48
